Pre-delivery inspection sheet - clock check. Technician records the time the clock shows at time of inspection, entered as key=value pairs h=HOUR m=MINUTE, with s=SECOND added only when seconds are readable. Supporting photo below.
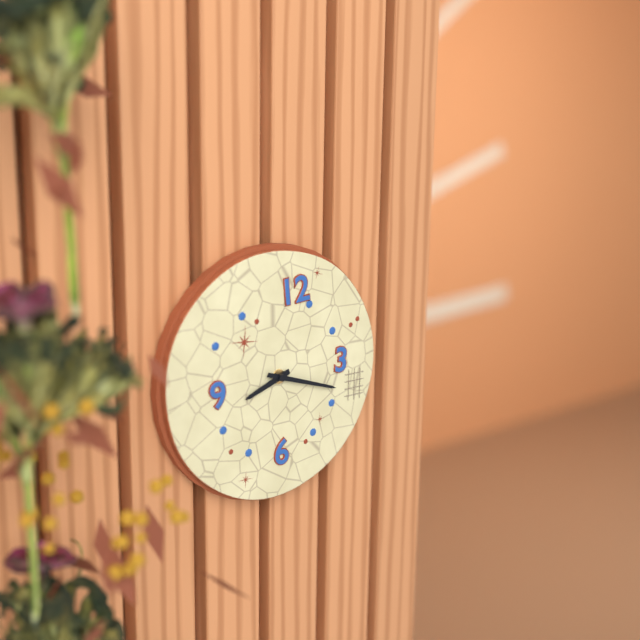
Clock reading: h=8 m=18
